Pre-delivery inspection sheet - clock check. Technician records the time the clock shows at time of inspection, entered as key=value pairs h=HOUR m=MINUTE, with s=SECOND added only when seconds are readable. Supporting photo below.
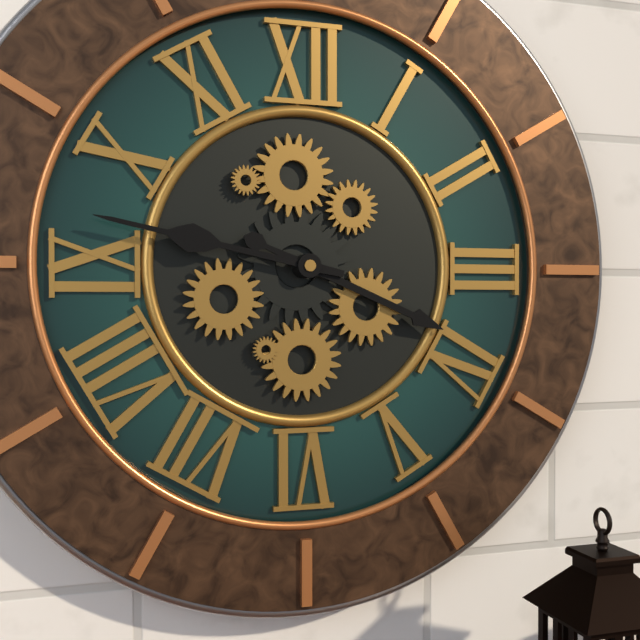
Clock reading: h=3 m=47
